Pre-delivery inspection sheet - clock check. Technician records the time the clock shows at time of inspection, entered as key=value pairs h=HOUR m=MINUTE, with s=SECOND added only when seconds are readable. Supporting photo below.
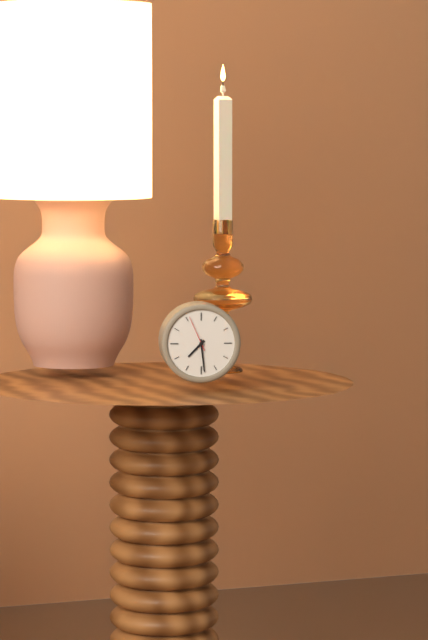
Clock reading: h=7 m=29
